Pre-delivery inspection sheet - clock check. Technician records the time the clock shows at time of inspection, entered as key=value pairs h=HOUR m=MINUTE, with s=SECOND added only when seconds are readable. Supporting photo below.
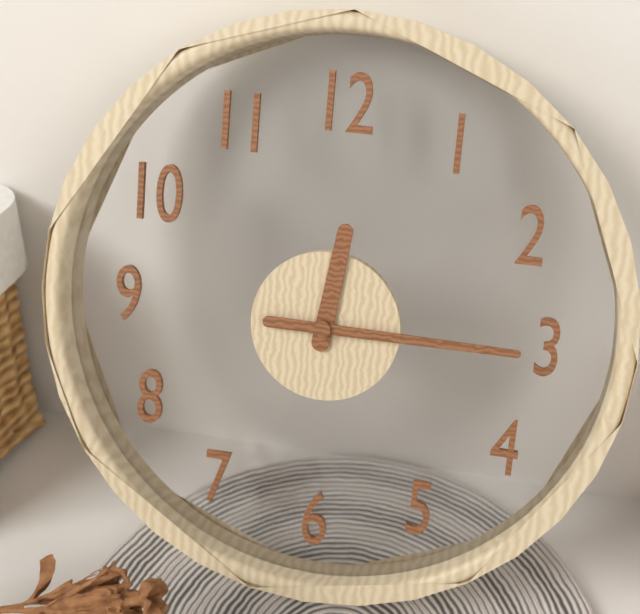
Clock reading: h=12 m=15
